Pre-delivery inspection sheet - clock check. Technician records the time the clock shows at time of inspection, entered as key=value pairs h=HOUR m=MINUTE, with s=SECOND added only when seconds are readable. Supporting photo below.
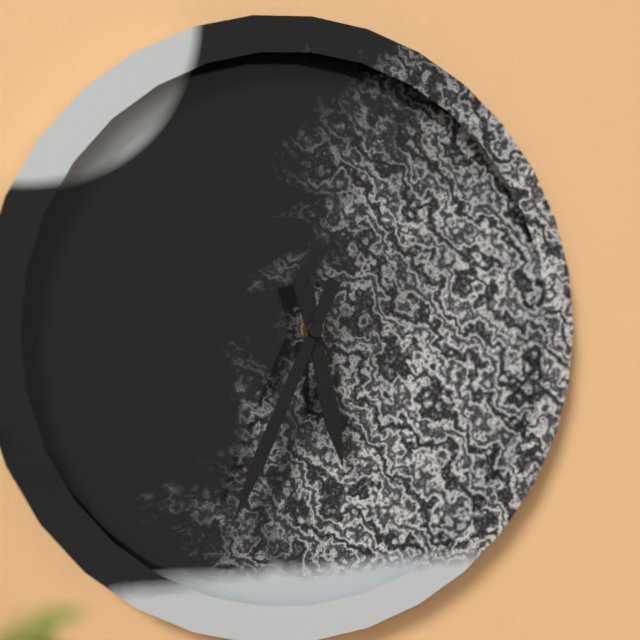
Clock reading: h=5 m=34
